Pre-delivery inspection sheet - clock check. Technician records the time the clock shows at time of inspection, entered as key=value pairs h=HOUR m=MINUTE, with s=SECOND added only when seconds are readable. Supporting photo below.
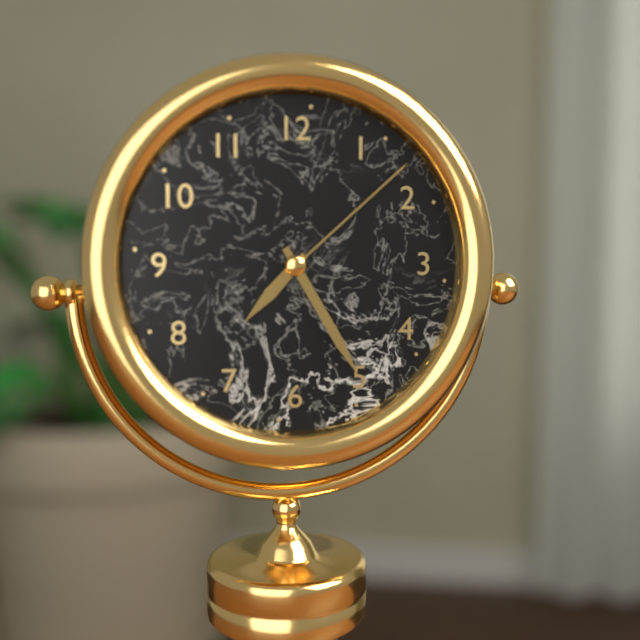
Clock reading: h=7 m=25 s=8
